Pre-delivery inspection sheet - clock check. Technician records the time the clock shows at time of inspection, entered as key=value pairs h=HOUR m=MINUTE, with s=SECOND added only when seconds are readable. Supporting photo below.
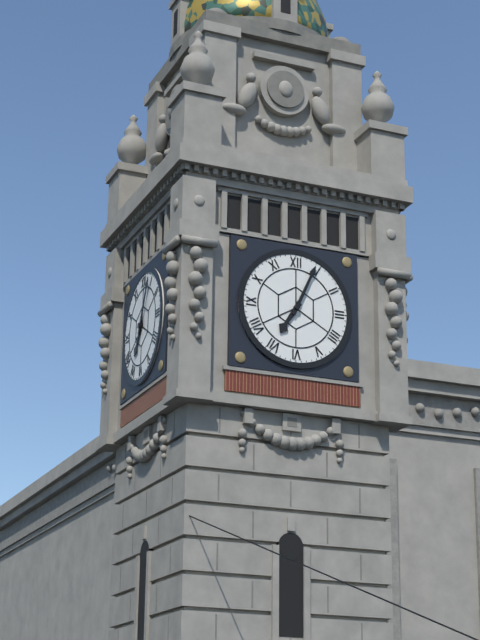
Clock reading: h=7 m=4
